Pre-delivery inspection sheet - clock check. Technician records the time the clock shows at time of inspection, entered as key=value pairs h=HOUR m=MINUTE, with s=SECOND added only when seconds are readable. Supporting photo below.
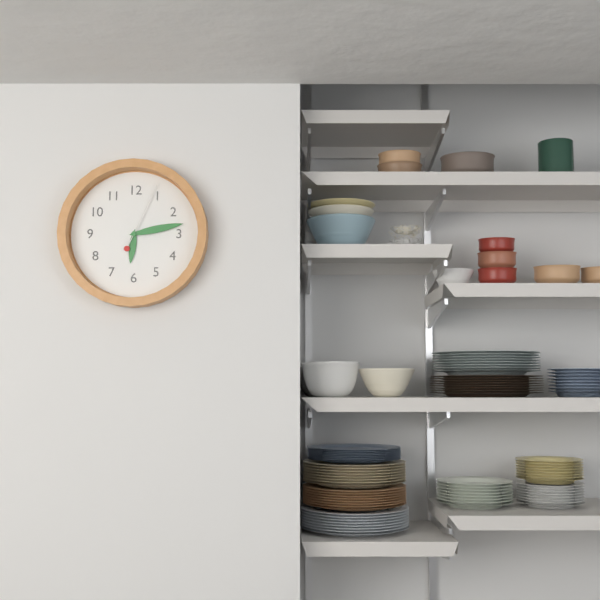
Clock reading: h=6 m=13 s=4
